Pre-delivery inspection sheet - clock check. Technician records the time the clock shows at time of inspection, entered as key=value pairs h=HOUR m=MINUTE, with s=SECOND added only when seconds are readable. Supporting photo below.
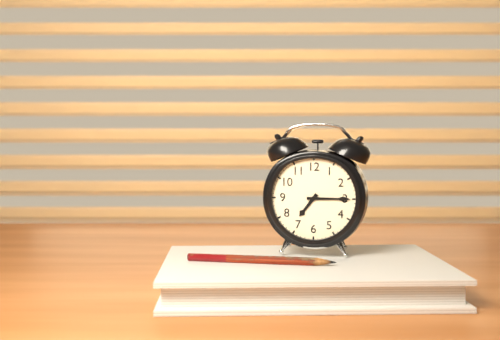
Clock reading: h=7 m=15
